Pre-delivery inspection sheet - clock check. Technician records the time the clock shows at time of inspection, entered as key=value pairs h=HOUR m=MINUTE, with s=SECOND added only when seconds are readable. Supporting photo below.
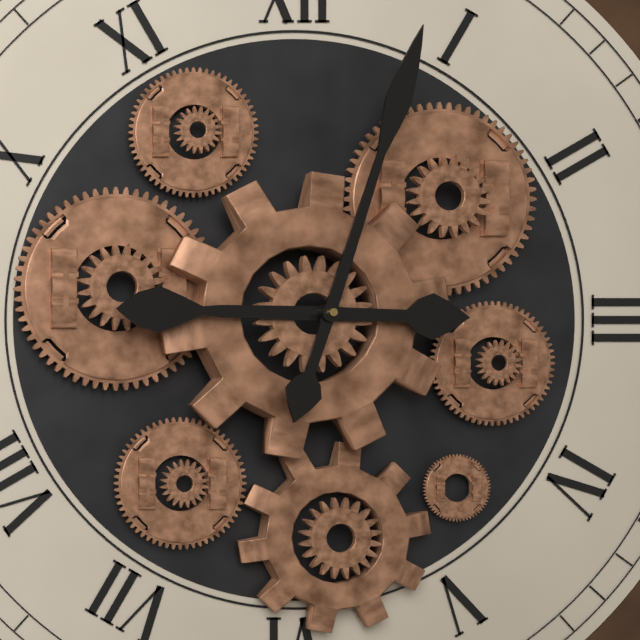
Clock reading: h=9 m=3
